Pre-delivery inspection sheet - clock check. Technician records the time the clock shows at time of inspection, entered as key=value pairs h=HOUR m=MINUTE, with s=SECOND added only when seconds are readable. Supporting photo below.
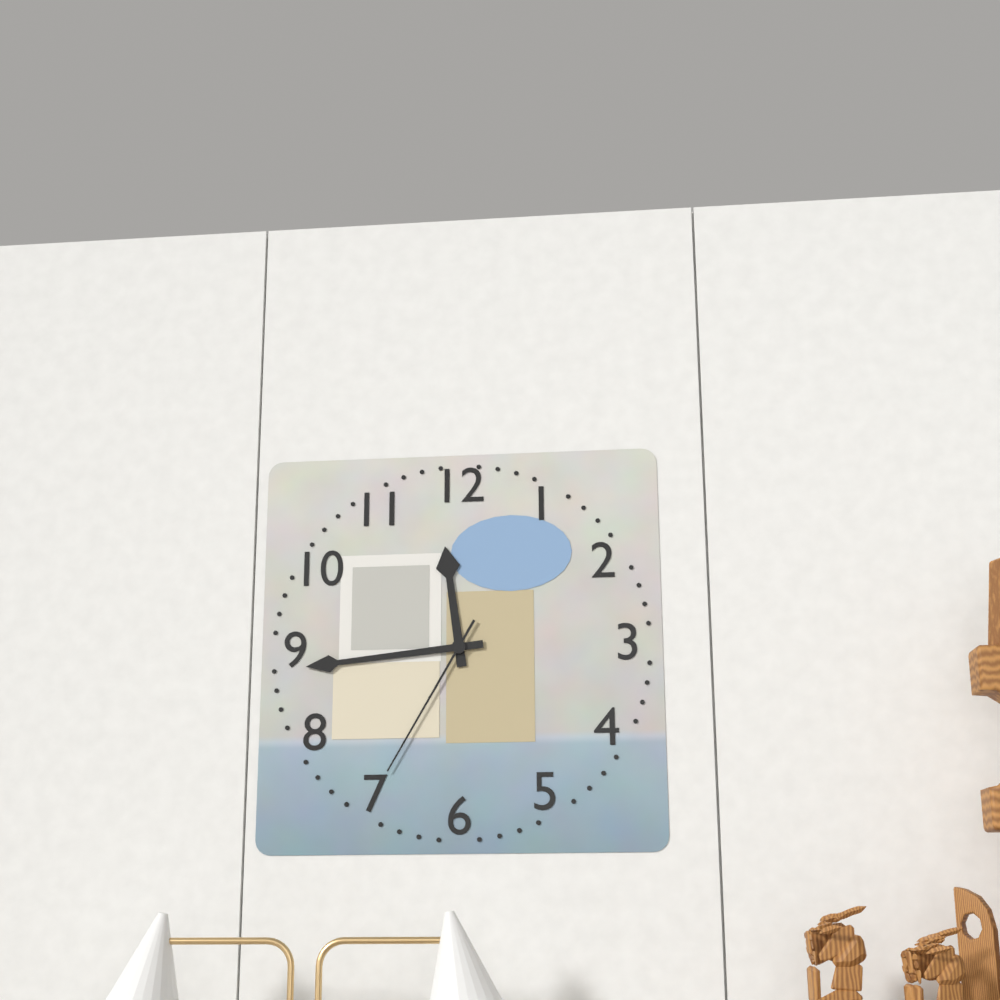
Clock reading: h=11 m=44 s=35
